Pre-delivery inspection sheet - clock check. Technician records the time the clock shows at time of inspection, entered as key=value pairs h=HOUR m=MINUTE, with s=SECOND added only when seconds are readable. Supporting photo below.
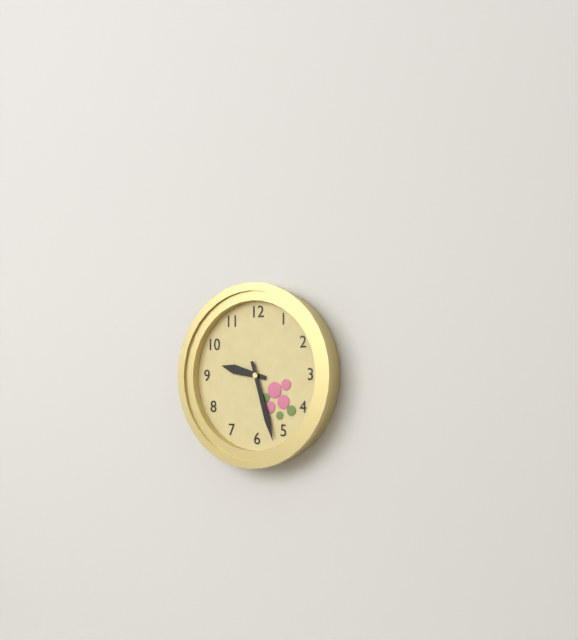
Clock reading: h=9 m=27
